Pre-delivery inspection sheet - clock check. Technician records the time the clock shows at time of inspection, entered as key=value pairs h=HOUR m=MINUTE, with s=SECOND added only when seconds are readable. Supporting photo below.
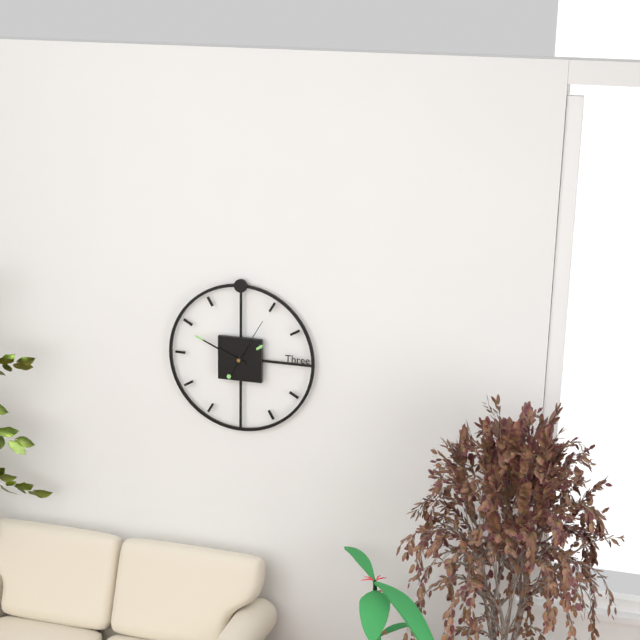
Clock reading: h=1 m=49 s=5
